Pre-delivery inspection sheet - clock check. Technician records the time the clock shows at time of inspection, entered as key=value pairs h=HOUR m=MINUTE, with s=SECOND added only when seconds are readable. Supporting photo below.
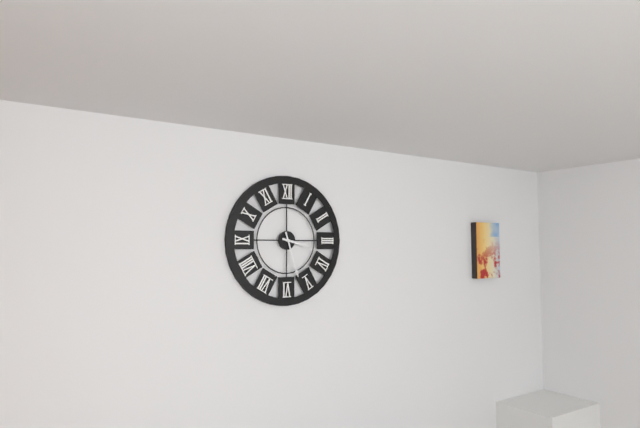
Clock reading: h=3 m=27
